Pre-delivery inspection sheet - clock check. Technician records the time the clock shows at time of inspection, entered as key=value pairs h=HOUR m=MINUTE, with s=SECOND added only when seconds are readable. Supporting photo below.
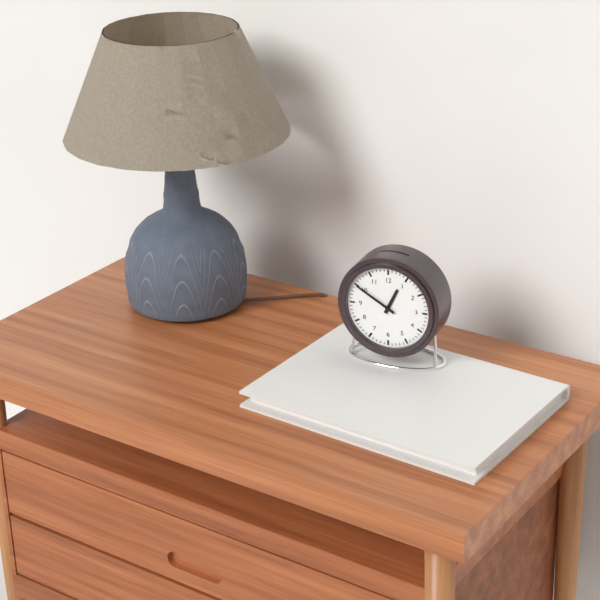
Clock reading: h=12 m=50
